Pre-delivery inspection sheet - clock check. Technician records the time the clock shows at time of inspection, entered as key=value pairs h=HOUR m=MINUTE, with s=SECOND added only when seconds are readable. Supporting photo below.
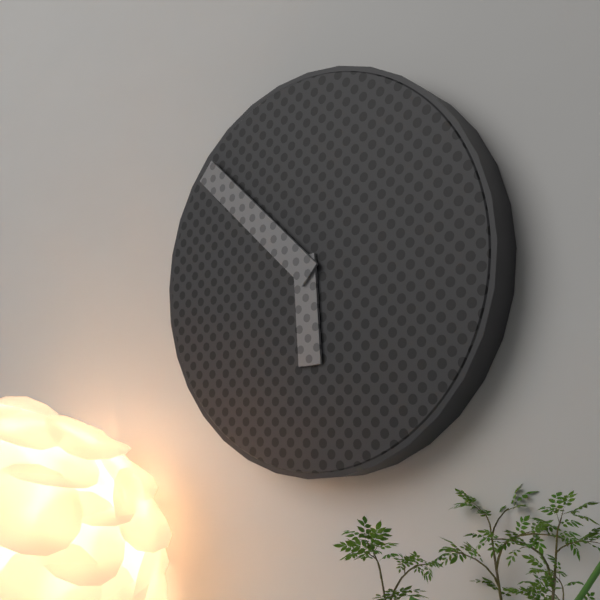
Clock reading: h=5 m=52
